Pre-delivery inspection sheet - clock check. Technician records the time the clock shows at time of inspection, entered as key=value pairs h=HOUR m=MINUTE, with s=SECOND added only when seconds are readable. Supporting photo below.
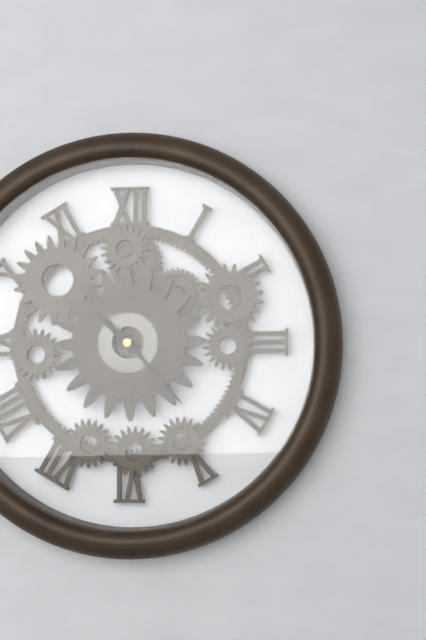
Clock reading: h=10 m=23
